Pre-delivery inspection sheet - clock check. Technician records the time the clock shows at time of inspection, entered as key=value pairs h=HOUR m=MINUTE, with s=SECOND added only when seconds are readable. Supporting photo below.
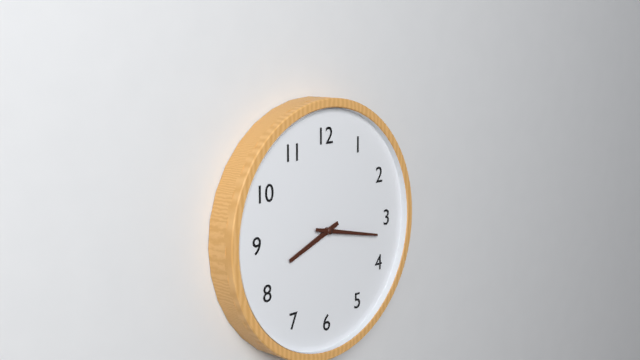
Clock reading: h=8 m=17
